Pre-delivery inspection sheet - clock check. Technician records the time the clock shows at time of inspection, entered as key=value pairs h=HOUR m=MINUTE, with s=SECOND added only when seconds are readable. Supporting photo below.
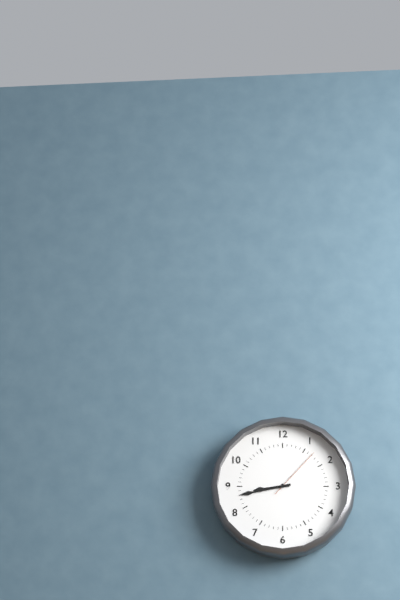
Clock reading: h=8 m=43 s=7
